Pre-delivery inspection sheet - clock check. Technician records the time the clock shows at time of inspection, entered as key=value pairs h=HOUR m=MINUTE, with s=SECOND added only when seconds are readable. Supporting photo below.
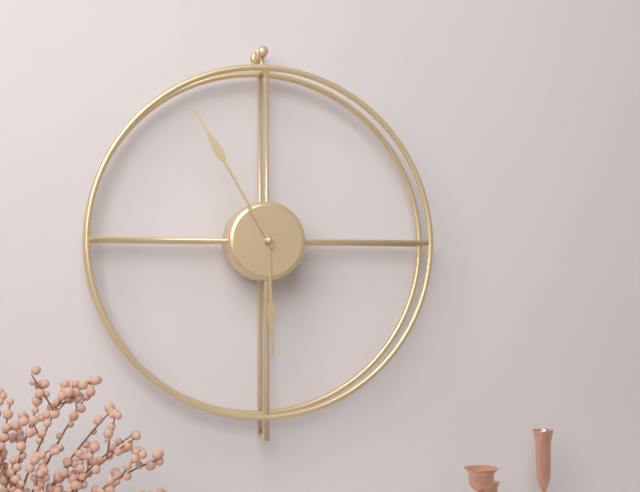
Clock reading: h=5 m=55
